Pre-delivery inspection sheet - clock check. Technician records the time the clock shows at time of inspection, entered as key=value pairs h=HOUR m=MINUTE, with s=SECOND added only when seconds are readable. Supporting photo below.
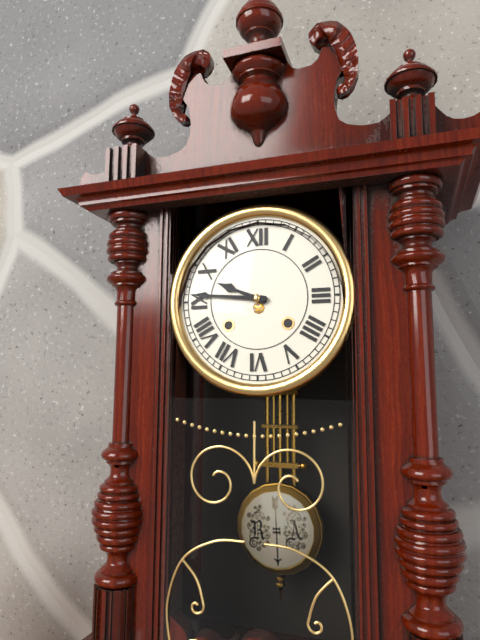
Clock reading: h=9 m=46
